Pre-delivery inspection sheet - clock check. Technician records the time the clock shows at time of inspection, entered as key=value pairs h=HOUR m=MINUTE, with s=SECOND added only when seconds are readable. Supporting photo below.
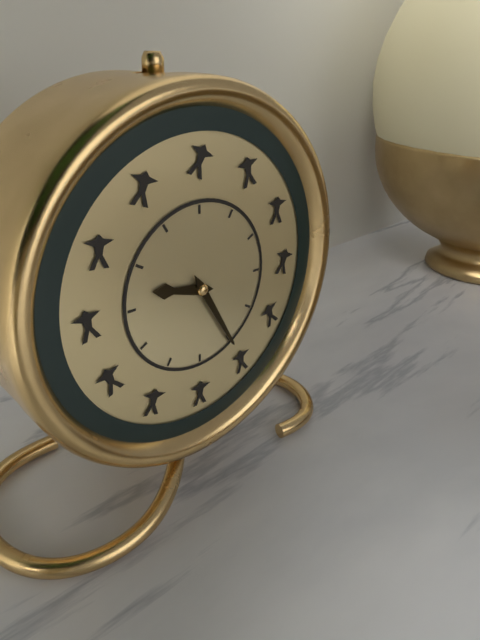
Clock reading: h=9 m=25
